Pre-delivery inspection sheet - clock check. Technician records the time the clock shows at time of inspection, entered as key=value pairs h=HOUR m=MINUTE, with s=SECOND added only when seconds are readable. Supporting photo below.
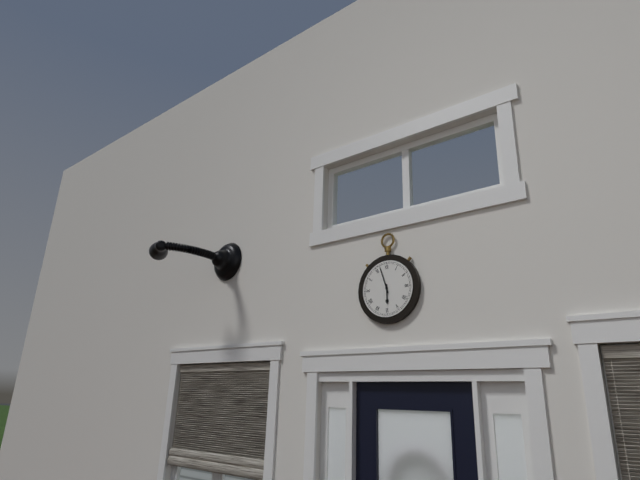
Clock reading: h=5 m=57
